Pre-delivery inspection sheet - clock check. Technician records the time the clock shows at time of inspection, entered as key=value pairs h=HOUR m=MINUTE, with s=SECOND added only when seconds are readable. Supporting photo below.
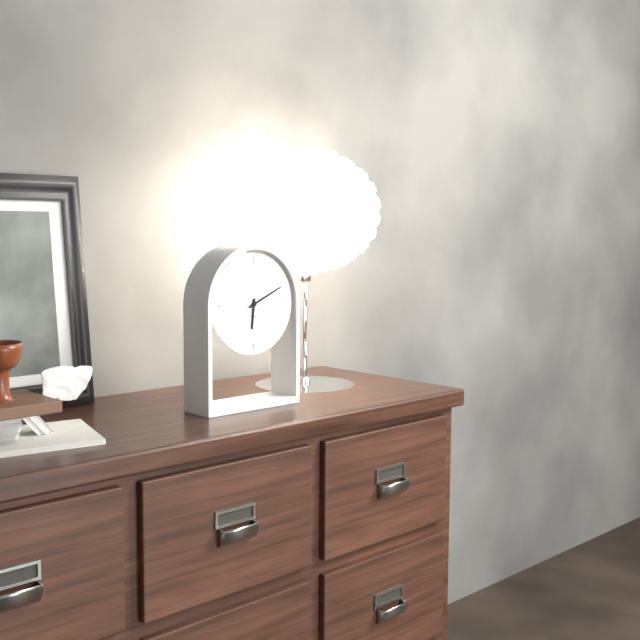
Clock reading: h=6 m=11
